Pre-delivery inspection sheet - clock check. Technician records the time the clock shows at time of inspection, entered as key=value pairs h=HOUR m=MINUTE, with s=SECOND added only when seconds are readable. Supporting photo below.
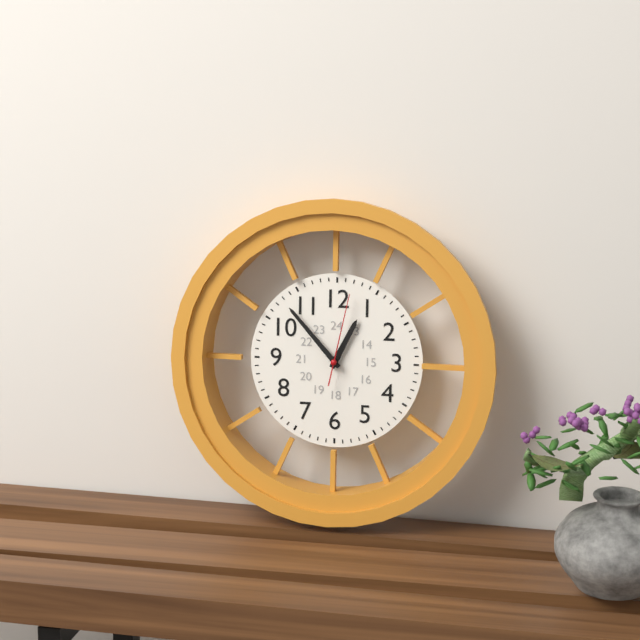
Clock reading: h=12 m=53 s=2
